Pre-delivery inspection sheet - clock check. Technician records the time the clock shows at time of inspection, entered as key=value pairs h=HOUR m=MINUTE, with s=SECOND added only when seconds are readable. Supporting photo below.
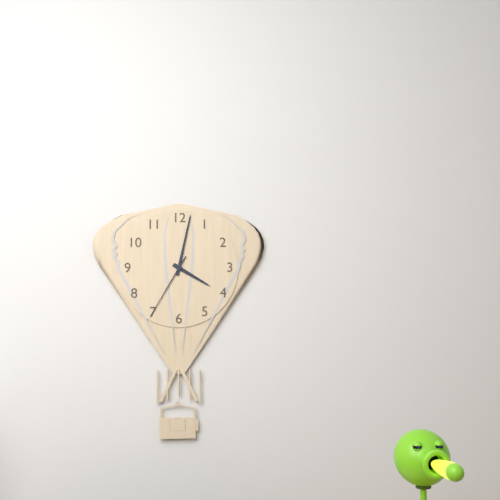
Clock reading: h=4 m=2 s=35
